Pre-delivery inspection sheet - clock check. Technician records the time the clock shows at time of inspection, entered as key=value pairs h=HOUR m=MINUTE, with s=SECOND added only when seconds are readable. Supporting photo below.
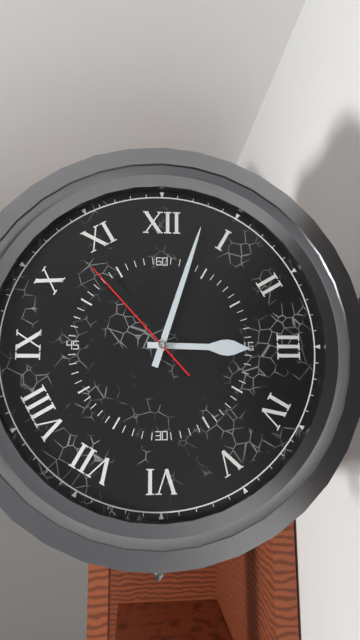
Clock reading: h=3 m=3 s=53
